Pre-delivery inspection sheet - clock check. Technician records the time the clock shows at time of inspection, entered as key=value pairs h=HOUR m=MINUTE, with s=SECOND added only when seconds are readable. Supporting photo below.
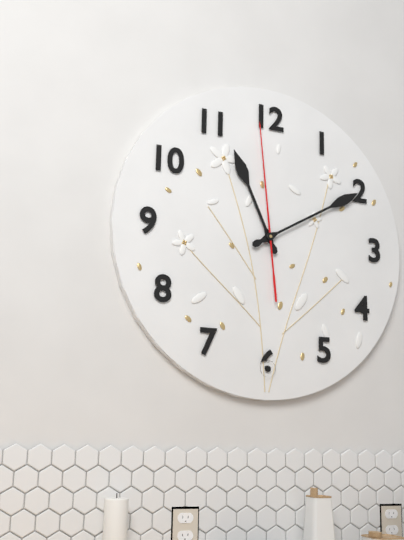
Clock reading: h=11 m=10 s=59
